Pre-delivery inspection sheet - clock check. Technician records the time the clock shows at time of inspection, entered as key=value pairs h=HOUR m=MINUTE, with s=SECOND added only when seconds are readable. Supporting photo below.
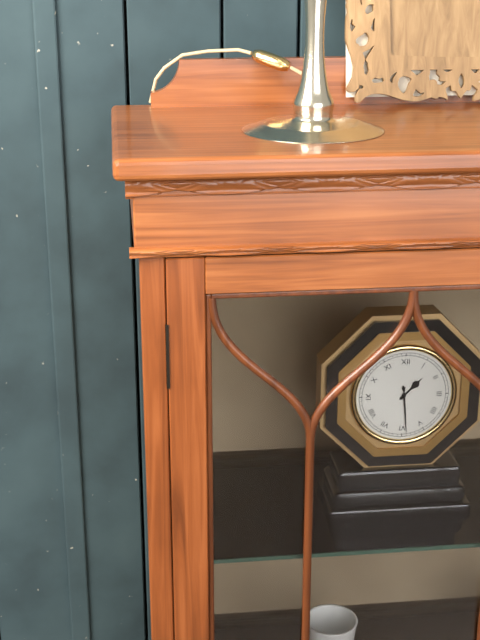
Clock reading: h=1 m=29
